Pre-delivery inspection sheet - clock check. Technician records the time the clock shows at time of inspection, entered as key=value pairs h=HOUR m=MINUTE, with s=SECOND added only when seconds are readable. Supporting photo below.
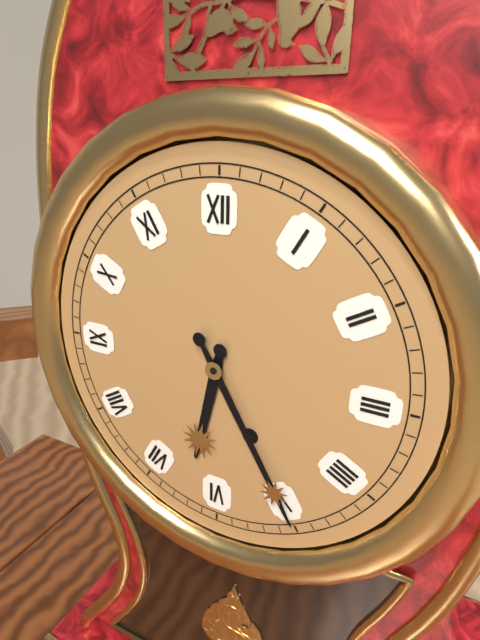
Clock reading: h=6 m=25
